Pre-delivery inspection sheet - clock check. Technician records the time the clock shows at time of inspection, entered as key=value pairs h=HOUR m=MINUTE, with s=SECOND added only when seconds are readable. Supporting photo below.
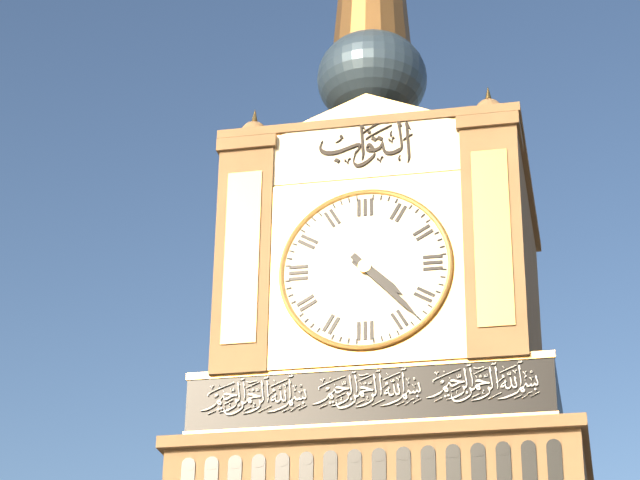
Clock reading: h=4 m=23
